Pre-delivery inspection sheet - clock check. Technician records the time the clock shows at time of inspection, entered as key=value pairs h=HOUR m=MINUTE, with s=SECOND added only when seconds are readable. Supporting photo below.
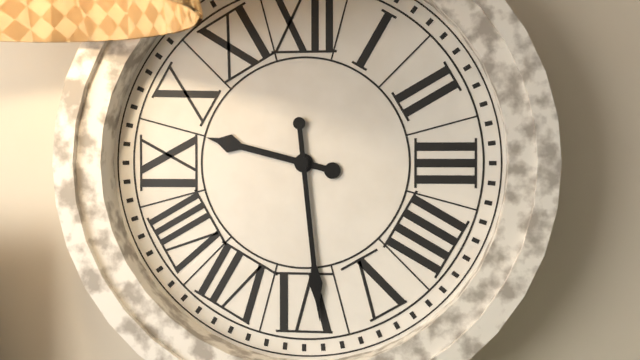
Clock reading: h=9 m=29
